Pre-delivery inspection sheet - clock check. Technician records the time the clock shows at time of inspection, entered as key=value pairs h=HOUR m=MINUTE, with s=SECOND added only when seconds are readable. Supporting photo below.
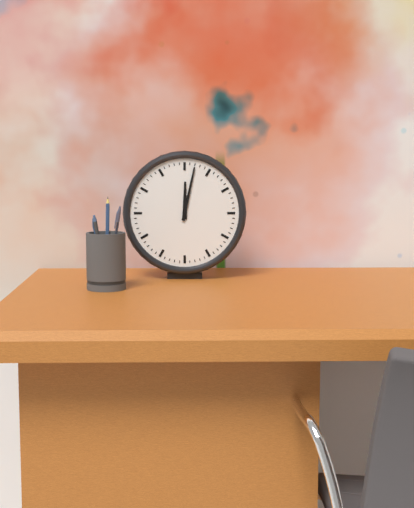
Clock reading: h=12 m=2
